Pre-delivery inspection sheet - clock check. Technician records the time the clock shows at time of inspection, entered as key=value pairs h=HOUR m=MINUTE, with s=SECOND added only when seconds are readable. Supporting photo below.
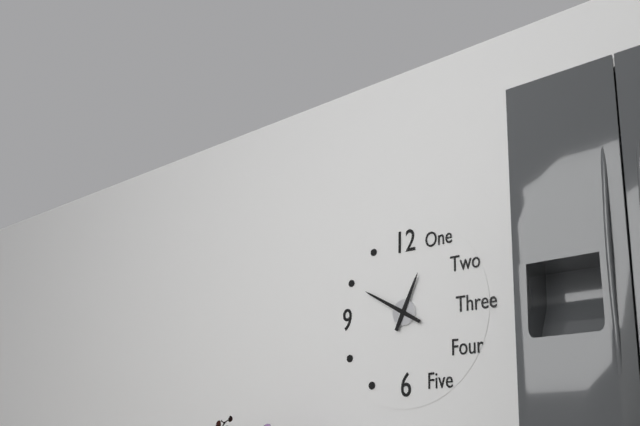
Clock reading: h=12 m=50
